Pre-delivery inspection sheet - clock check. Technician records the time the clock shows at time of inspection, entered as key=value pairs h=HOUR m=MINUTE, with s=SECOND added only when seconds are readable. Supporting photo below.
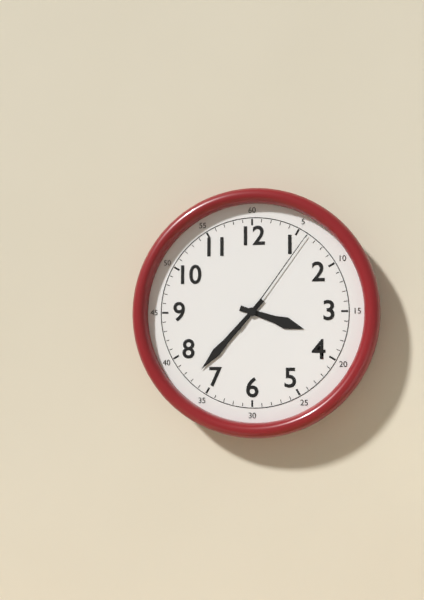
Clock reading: h=3 m=37 s=6
